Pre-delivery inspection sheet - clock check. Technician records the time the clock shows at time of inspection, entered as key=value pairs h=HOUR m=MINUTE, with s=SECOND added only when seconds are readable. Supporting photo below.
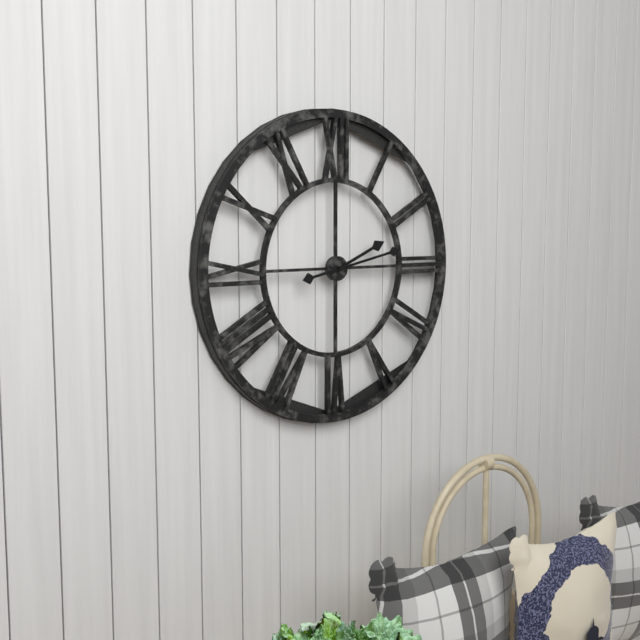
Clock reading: h=2 m=13
